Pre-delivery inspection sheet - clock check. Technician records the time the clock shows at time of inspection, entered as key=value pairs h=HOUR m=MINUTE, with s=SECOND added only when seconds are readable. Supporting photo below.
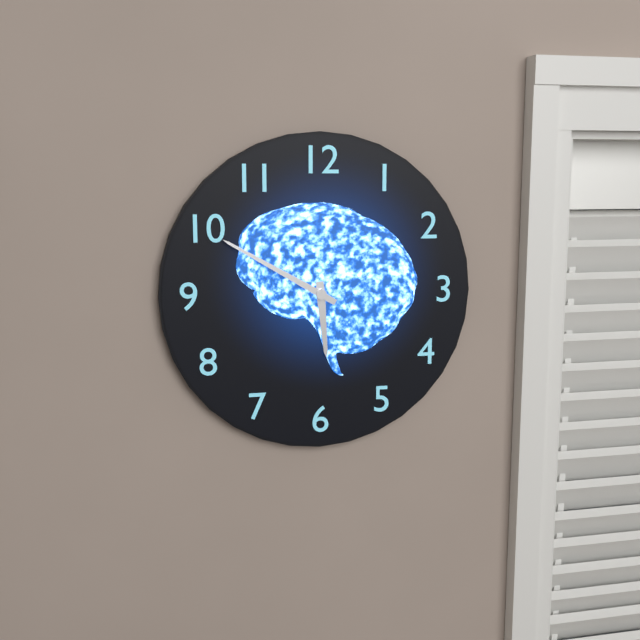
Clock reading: h=5 m=50
